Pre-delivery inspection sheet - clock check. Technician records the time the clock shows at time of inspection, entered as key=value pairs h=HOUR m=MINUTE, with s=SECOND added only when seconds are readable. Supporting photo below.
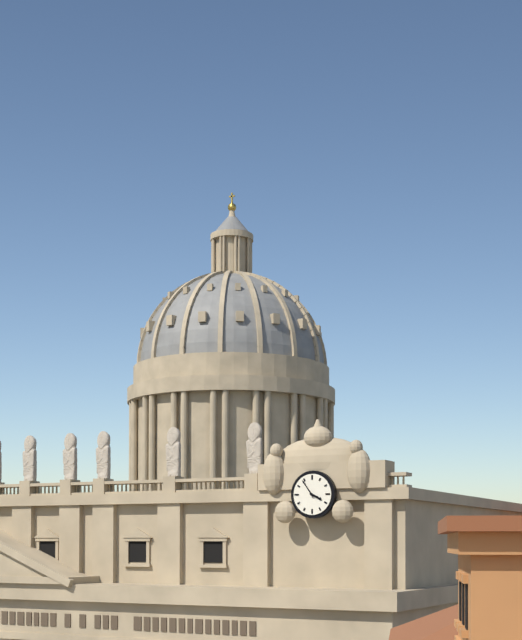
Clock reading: h=3 m=54
